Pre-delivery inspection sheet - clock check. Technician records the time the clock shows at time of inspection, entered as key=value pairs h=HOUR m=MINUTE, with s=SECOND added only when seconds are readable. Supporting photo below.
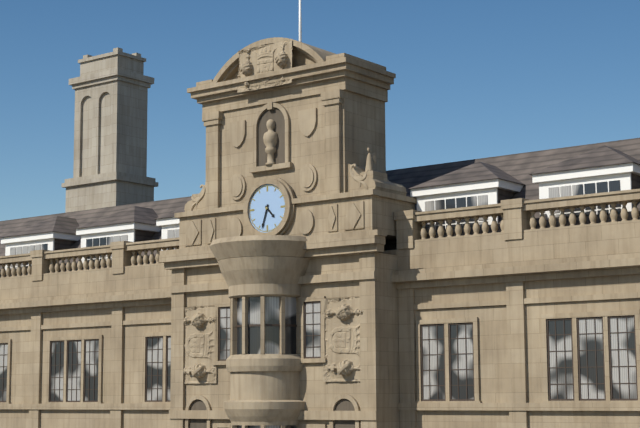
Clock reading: h=4 m=33
